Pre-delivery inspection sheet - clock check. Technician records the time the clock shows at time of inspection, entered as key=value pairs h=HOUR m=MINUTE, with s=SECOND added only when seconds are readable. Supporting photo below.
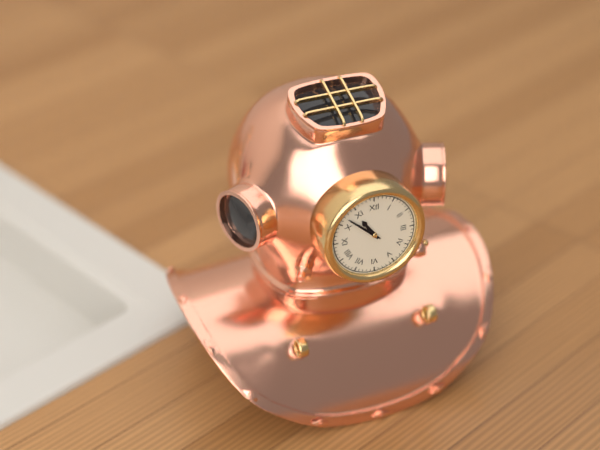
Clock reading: h=10 m=52
